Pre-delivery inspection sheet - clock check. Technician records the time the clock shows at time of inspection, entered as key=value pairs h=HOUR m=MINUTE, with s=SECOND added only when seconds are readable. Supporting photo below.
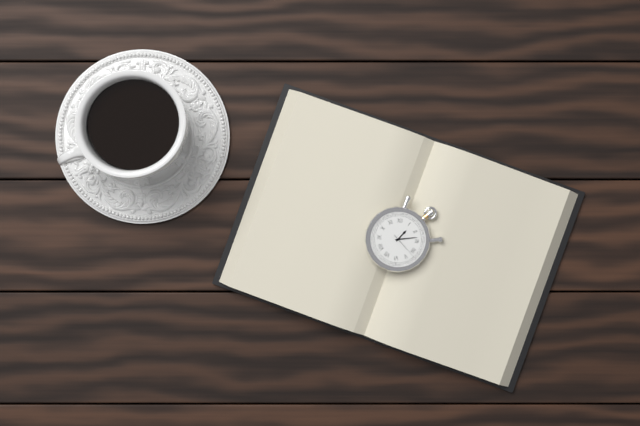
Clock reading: h=1 m=13
